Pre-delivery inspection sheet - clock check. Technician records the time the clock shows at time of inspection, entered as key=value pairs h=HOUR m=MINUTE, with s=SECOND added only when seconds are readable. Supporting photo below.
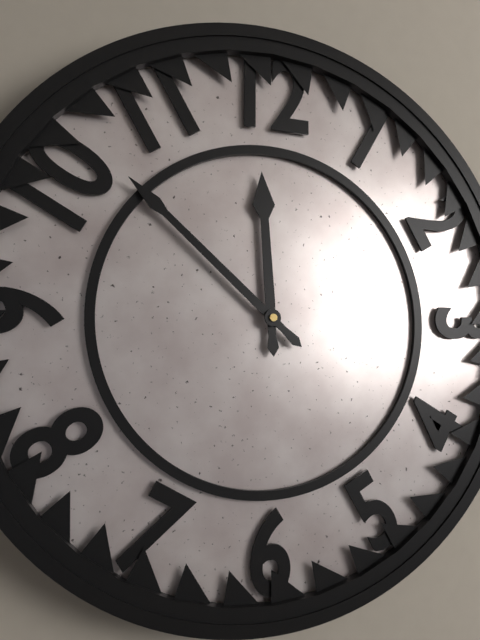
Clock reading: h=11 m=52
